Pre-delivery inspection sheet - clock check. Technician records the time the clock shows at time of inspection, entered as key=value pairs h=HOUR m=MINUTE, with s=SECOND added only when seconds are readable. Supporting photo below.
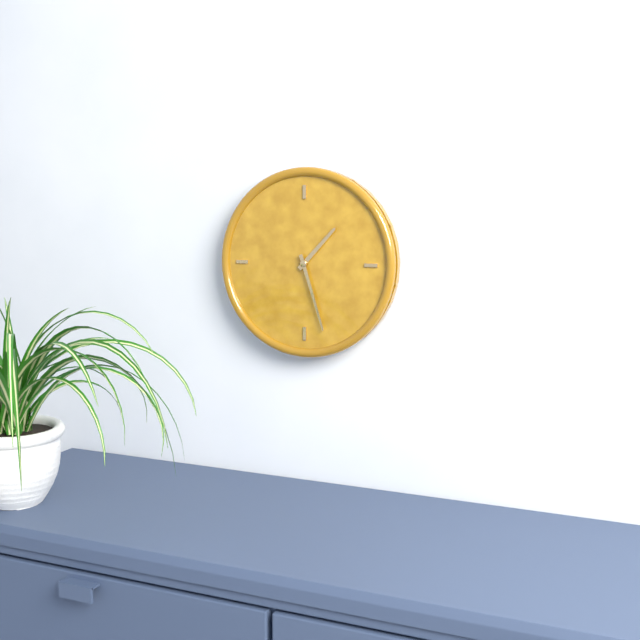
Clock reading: h=1 m=27
